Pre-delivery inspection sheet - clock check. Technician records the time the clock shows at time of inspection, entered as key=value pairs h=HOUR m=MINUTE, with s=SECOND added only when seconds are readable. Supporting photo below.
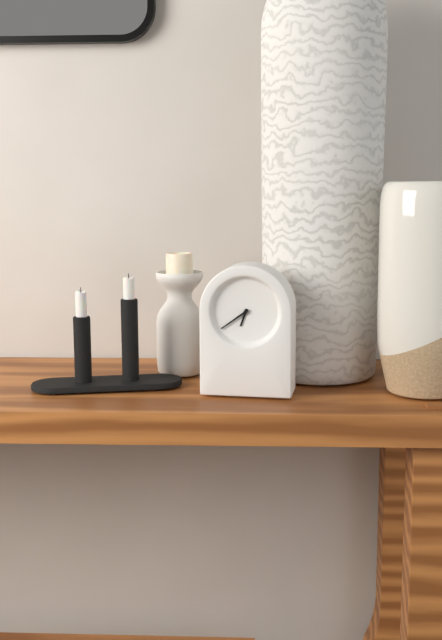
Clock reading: h=6 m=39
